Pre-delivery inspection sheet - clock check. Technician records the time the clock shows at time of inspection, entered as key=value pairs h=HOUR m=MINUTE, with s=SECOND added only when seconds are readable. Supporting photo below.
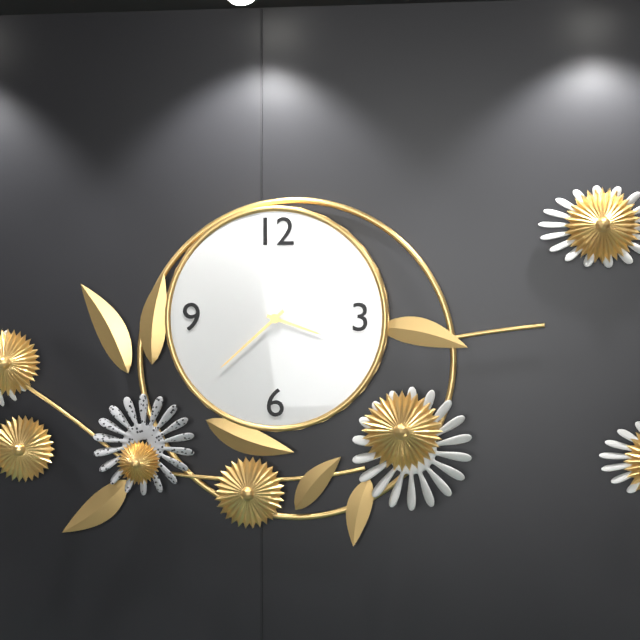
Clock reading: h=3 m=38
